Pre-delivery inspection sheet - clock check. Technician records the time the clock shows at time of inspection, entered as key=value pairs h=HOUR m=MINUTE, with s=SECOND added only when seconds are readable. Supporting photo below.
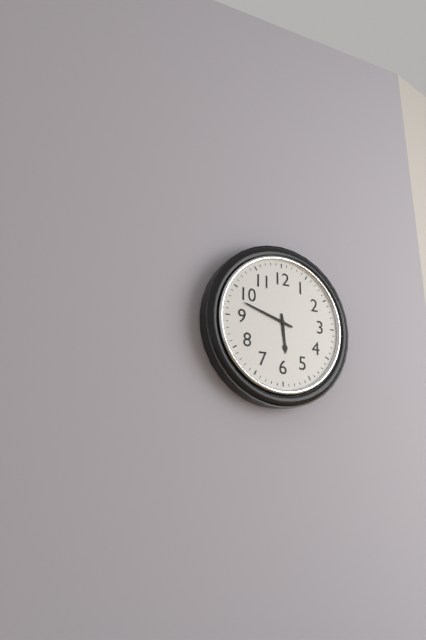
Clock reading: h=5 m=48
